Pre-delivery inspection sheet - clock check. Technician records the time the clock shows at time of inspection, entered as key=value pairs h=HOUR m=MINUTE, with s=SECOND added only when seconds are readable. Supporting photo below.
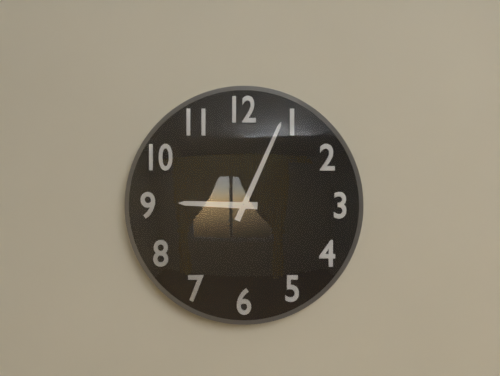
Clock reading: h=9 m=4
